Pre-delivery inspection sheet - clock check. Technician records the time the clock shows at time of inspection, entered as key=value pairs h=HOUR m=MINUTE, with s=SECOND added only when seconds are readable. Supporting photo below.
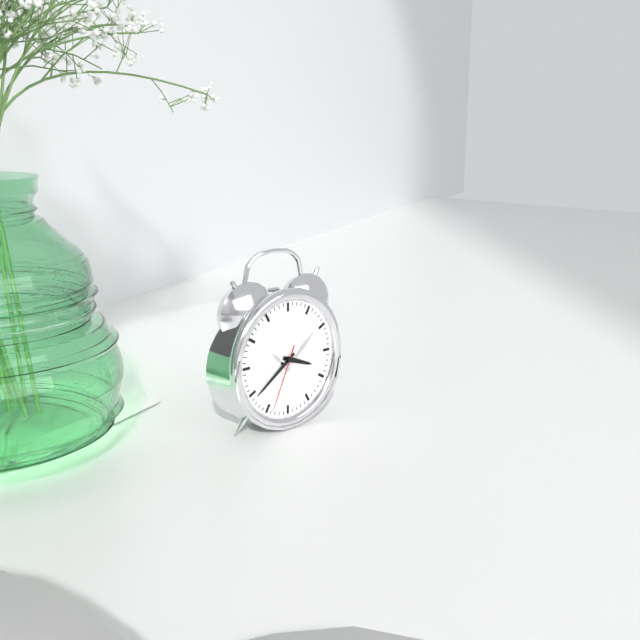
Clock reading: h=3 m=39 s=34
